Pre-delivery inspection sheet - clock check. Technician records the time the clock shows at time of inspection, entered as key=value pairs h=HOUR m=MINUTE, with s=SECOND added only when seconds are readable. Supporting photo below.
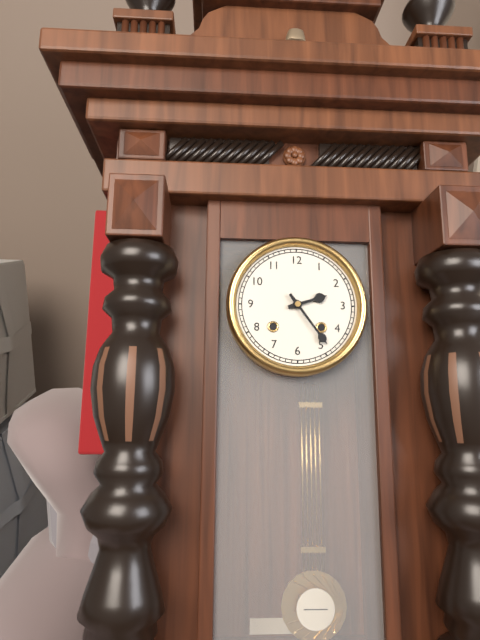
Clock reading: h=2 m=24
